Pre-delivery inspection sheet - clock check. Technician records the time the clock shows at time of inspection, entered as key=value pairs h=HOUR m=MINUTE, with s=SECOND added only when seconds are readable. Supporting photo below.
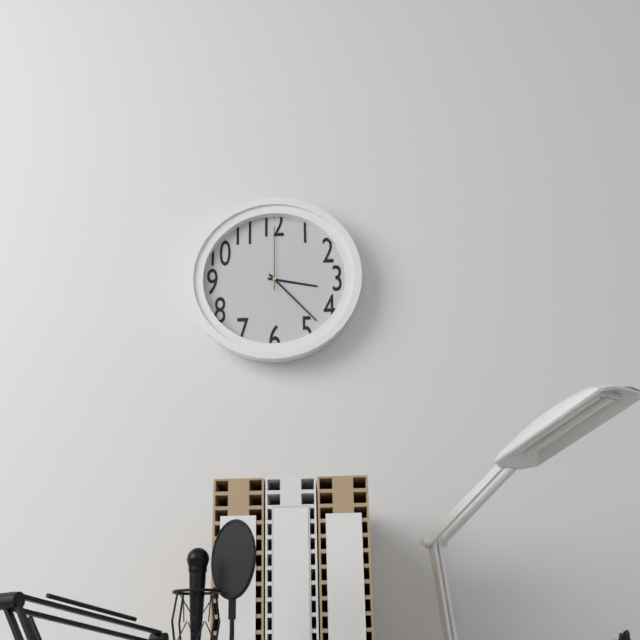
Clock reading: h=3 m=23 s=0
